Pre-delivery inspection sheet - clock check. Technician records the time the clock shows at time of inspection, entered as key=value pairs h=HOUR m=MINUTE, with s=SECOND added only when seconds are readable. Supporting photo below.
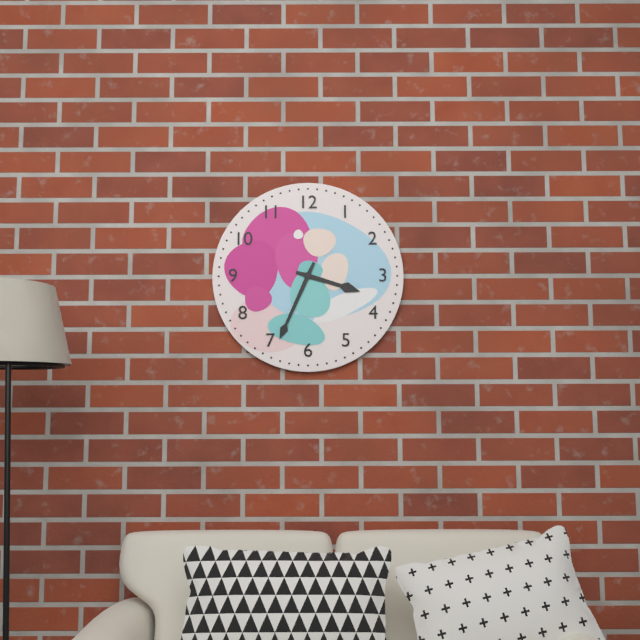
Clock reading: h=3 m=34
